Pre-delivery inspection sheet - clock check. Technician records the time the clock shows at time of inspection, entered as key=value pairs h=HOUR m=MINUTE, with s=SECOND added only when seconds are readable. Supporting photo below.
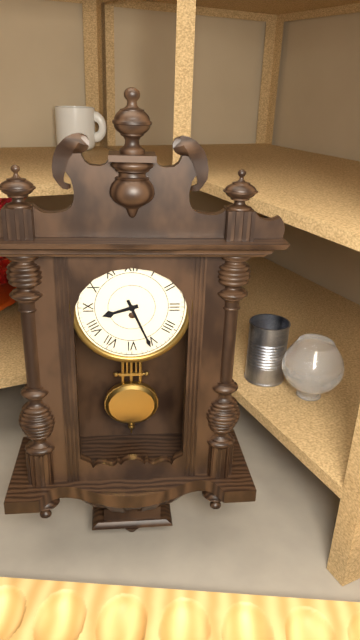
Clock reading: h=8 m=26
